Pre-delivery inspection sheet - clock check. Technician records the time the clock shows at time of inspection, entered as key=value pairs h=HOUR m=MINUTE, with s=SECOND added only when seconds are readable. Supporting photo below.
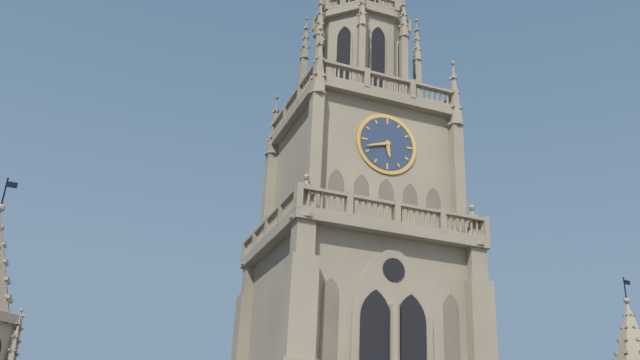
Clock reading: h=5 m=42
